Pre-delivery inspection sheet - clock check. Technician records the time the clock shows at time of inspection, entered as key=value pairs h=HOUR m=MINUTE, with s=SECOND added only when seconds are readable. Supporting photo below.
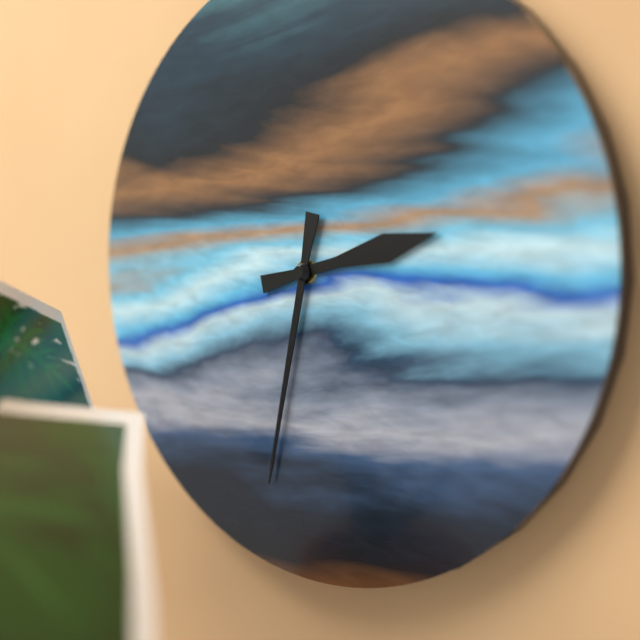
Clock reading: h=2 m=32
